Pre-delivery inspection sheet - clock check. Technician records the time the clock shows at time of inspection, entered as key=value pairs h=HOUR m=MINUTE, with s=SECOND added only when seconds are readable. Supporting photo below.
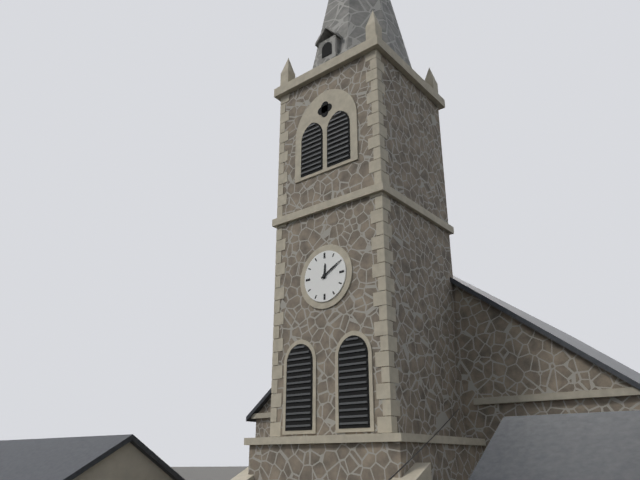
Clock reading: h=12 m=10
